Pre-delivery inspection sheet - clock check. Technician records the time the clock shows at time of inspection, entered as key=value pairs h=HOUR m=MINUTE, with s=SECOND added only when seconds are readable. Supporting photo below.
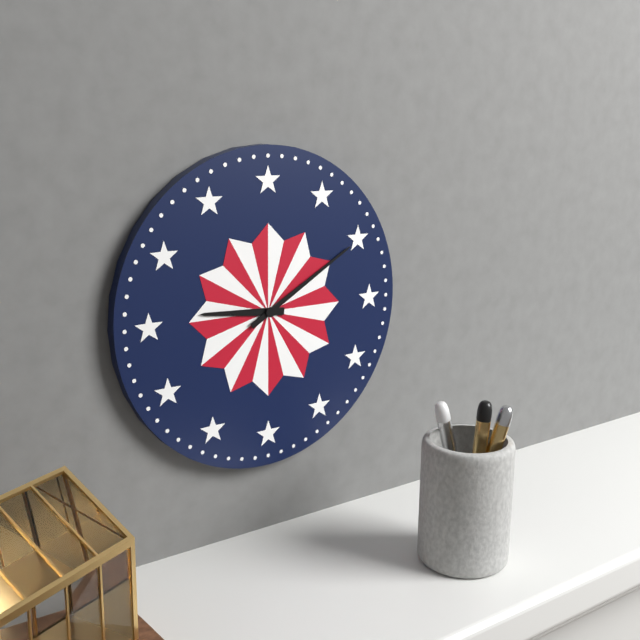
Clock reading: h=9 m=10
